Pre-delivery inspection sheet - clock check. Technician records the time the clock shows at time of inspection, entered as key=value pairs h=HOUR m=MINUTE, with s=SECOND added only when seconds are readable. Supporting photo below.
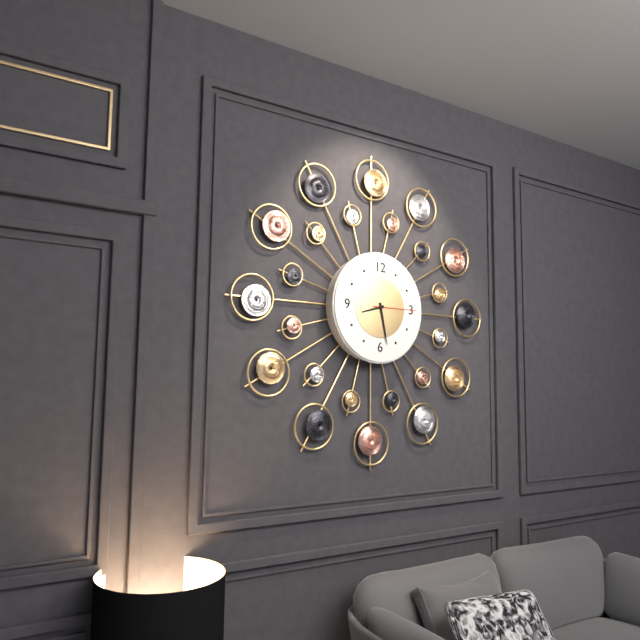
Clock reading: h=8 m=28
